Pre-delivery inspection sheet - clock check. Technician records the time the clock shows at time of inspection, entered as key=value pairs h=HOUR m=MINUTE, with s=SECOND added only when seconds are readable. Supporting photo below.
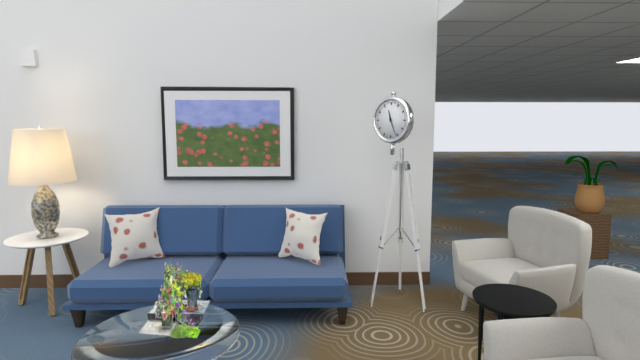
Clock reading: h=11 m=26
